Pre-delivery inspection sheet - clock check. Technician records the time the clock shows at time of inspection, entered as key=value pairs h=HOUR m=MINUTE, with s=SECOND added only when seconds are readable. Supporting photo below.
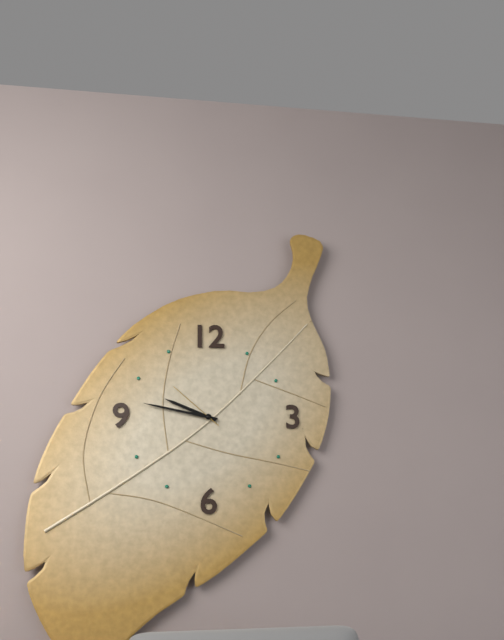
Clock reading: h=9 m=47 s=52
